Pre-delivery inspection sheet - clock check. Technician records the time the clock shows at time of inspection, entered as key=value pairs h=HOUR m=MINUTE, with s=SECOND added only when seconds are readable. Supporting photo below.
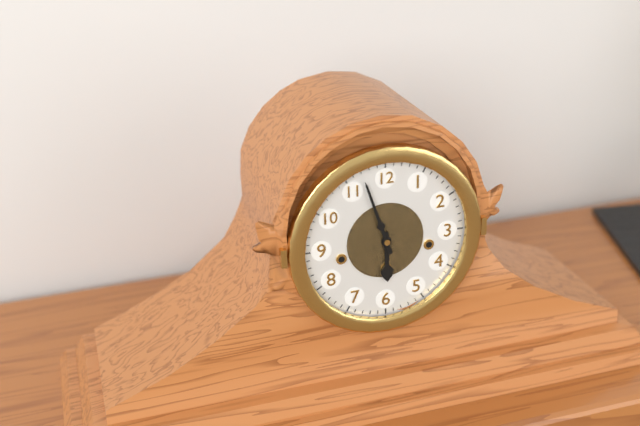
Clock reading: h=5 m=57
